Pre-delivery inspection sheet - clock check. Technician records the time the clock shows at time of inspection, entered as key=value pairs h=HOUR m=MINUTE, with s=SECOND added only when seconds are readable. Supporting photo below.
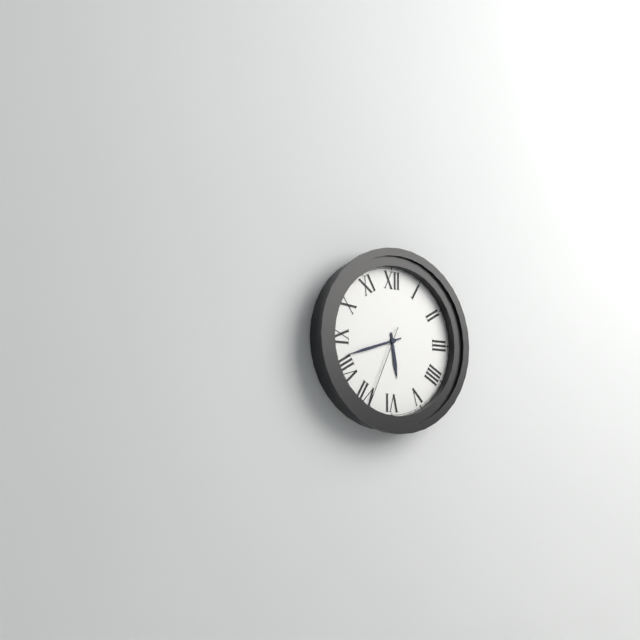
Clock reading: h=5 m=42 s=34
